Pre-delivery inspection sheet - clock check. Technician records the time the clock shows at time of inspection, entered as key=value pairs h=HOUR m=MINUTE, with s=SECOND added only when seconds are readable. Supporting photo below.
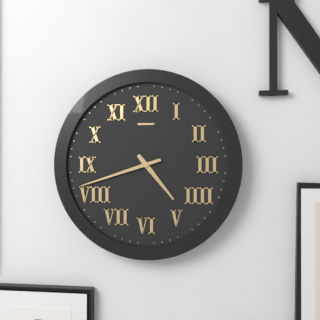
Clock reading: h=4 m=42
